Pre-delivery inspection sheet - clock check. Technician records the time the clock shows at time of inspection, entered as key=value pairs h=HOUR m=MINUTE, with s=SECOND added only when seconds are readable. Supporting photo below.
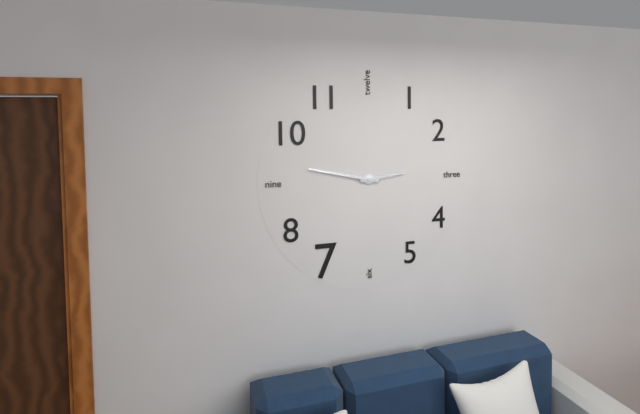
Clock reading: h=2 m=47
